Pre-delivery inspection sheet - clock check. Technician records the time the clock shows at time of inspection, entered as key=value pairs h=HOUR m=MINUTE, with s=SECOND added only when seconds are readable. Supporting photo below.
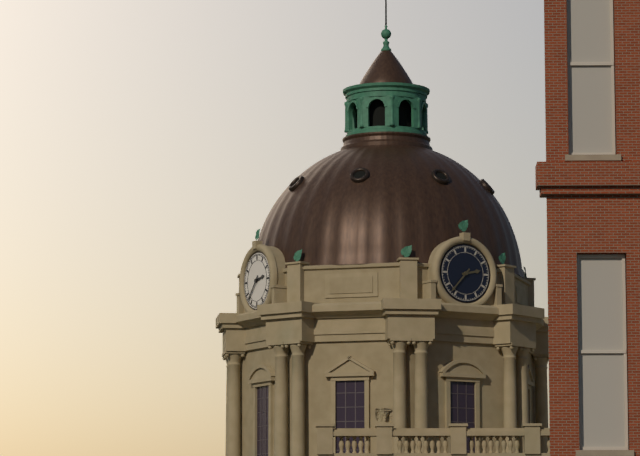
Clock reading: h=2 m=37
